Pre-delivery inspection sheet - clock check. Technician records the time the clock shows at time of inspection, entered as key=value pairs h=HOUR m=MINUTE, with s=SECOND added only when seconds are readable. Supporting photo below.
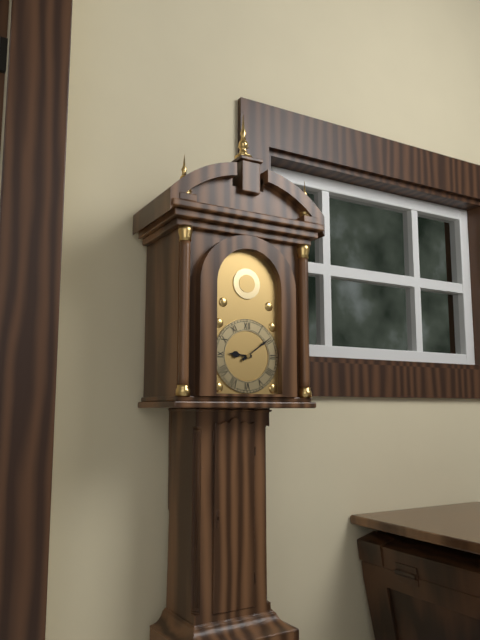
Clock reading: h=9 m=9
